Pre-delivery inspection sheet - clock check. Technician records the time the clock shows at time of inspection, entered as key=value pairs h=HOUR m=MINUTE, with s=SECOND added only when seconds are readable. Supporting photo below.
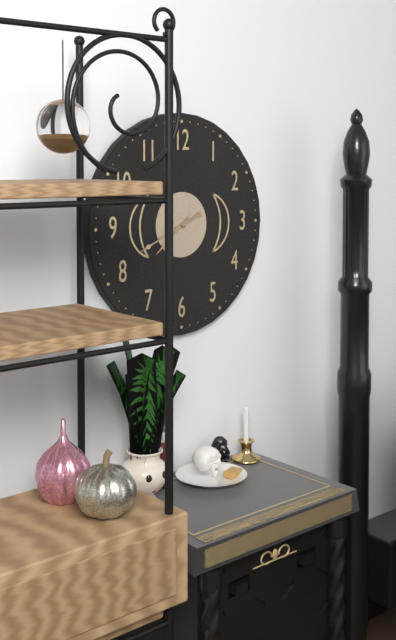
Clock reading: h=7 m=41
